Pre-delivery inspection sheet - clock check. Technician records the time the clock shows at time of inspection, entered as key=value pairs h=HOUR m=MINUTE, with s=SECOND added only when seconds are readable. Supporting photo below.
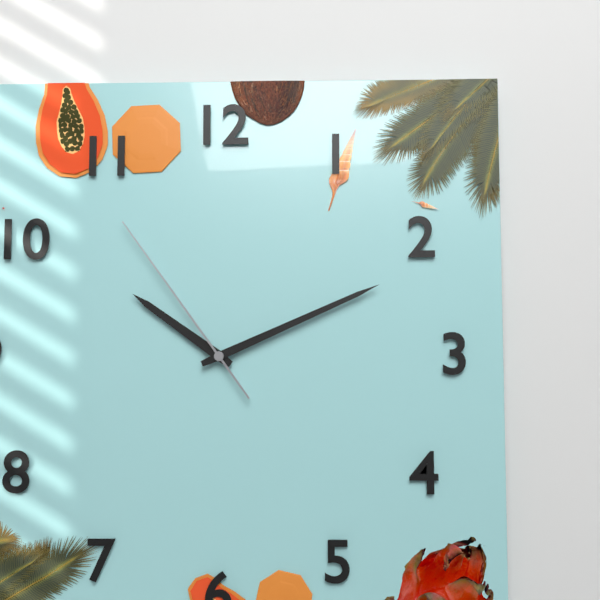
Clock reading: h=10 m=11 s=54
